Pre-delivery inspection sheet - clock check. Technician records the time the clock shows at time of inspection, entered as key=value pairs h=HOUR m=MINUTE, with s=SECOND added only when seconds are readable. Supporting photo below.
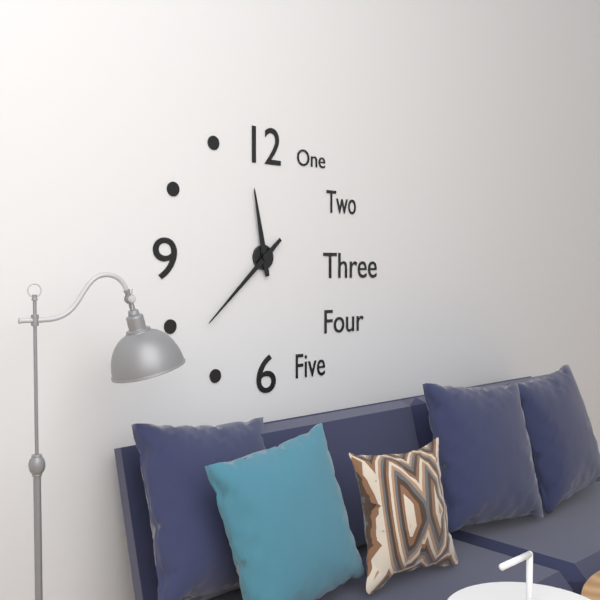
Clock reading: h=11 m=38
